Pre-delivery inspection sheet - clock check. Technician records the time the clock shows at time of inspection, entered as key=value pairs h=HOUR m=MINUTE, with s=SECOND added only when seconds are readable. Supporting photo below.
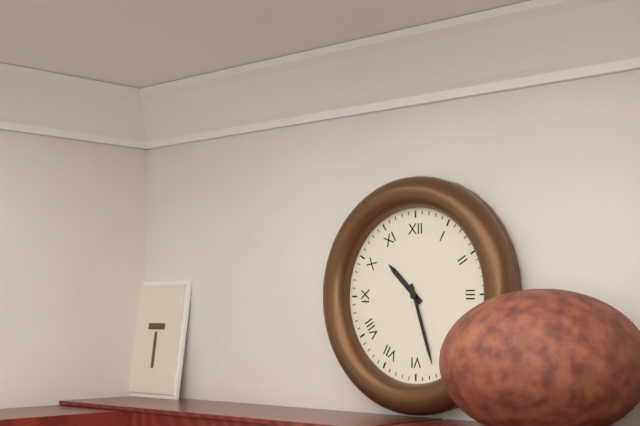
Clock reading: h=10 m=27
